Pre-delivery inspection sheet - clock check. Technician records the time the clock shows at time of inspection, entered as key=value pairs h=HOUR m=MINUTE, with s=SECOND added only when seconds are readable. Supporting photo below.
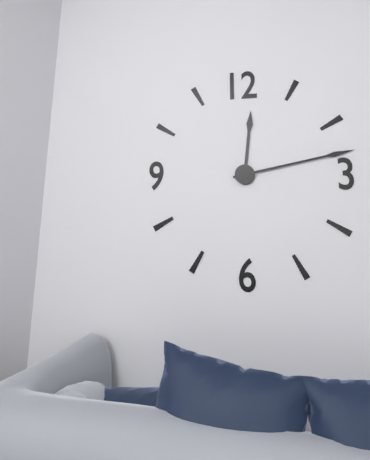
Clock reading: h=12 m=13
